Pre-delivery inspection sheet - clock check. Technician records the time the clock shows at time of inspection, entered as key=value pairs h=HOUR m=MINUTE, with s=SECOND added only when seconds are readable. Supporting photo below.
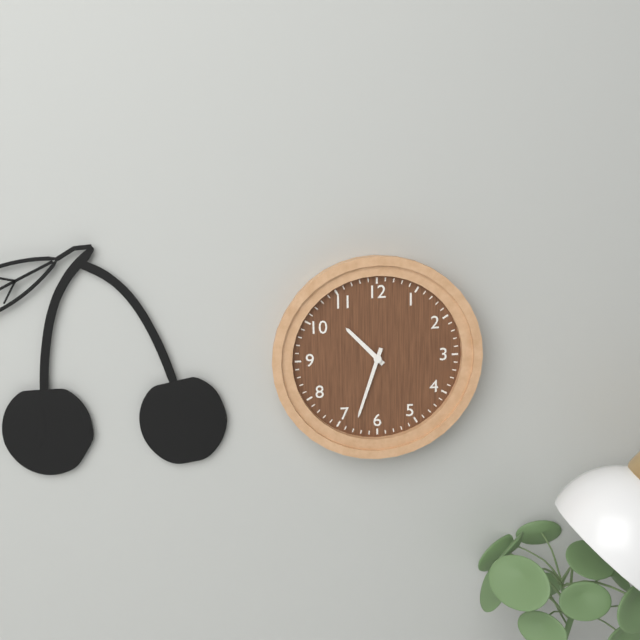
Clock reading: h=10 m=33
